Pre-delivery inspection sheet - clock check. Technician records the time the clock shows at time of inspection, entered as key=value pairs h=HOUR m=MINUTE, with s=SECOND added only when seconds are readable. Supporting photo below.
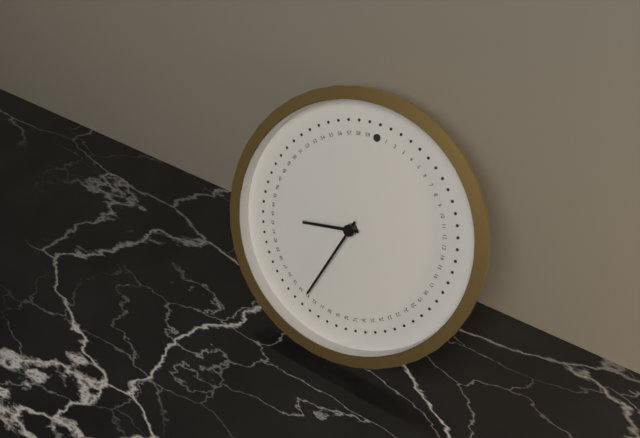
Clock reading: h=8 m=33
